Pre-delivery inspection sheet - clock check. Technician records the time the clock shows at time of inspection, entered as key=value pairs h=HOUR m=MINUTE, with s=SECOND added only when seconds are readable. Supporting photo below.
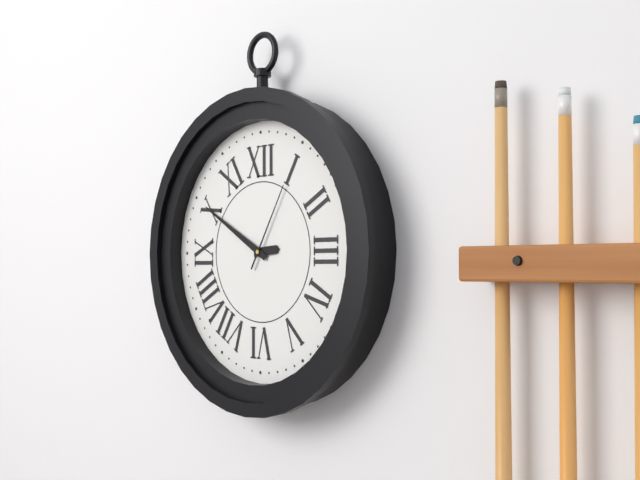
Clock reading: h=2 m=50 s=5
